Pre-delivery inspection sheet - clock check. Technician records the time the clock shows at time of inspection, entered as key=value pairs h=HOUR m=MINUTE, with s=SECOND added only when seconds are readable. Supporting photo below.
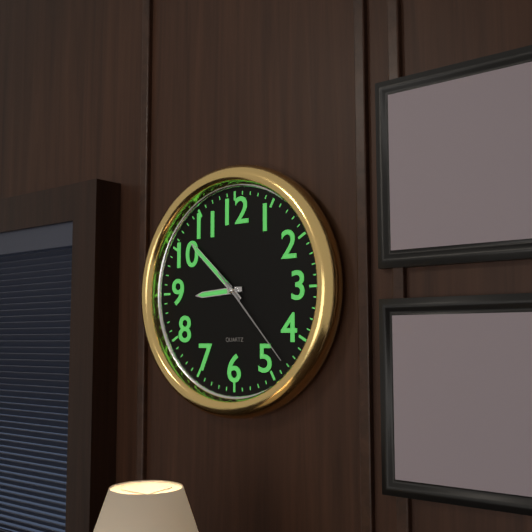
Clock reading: h=8 m=52 s=23
